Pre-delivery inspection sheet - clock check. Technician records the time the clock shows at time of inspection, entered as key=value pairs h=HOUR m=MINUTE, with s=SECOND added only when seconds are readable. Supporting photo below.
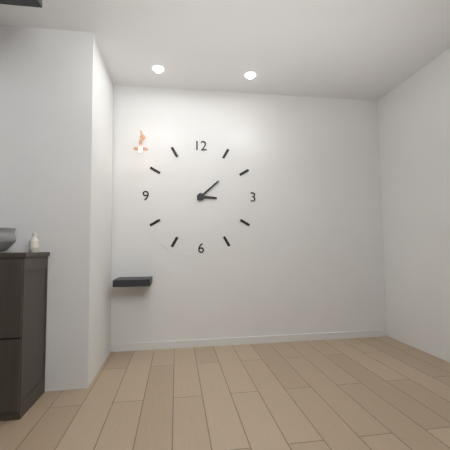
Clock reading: h=3 m=8
